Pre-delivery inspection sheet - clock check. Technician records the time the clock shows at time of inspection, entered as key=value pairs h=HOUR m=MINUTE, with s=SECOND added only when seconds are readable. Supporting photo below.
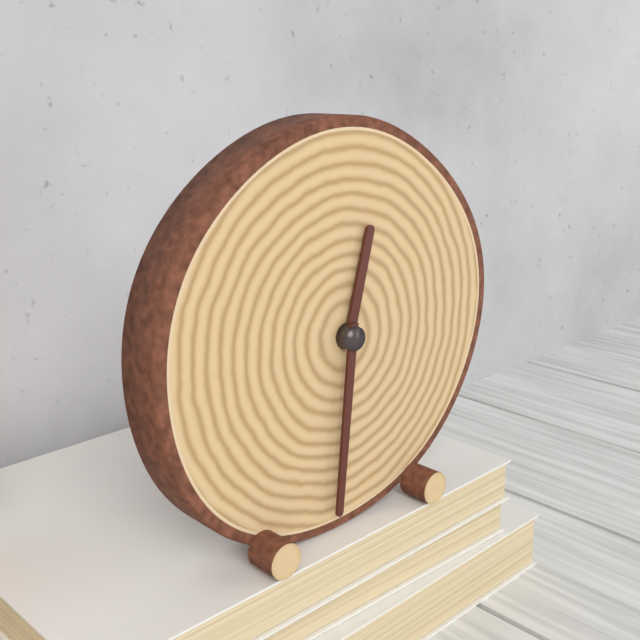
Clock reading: h=12 m=31
